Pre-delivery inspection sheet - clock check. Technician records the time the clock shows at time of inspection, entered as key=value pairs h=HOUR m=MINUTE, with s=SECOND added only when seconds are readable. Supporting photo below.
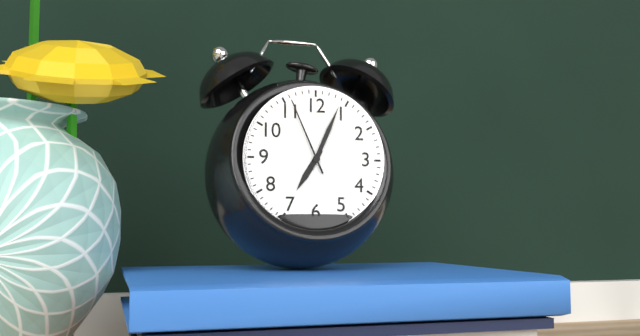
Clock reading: h=7 m=4 s=56
